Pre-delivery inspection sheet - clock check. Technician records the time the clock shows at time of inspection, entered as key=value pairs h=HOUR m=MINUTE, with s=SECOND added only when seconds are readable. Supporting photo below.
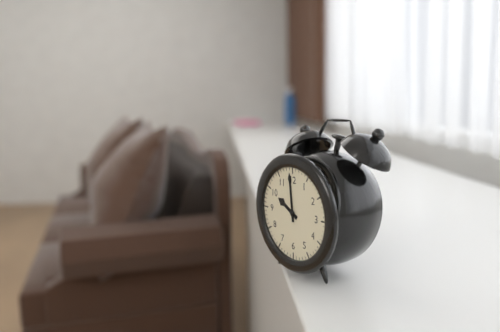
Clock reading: h=9 m=59
